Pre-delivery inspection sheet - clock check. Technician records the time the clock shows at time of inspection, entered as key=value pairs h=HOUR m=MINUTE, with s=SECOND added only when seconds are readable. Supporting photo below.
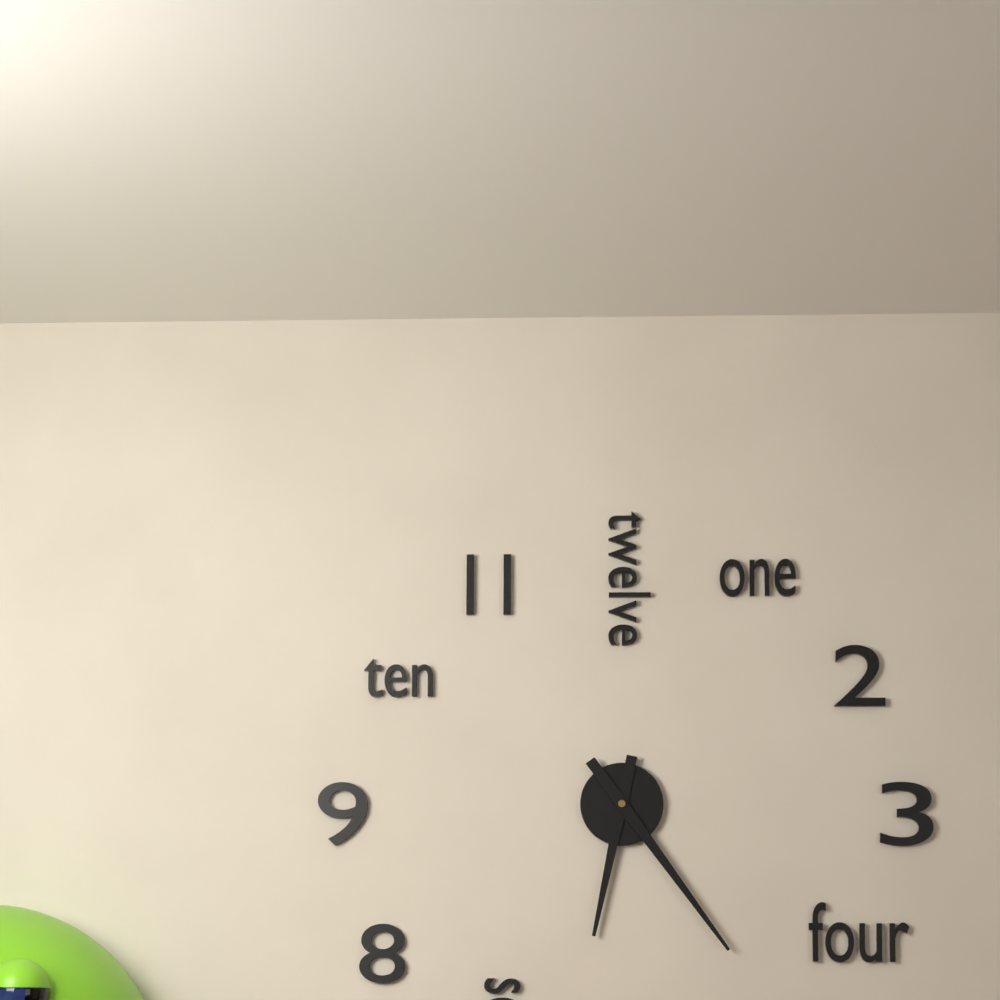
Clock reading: h=6 m=24
